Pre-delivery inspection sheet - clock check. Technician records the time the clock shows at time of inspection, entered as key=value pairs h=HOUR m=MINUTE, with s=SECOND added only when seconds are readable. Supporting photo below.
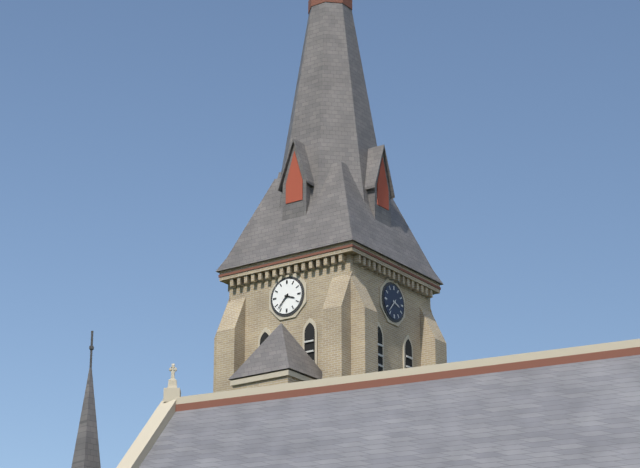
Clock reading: h=3 m=37
